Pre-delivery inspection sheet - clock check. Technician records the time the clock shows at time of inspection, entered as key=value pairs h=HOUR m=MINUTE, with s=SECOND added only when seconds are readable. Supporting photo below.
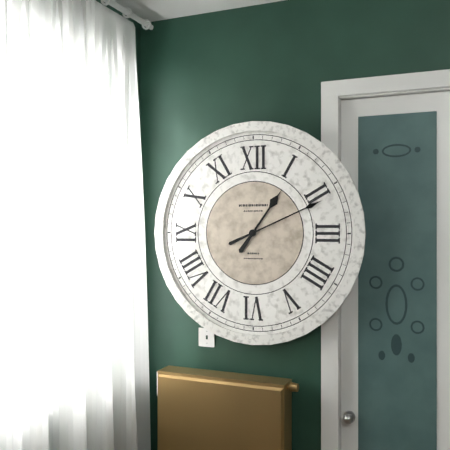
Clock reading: h=1 m=11
